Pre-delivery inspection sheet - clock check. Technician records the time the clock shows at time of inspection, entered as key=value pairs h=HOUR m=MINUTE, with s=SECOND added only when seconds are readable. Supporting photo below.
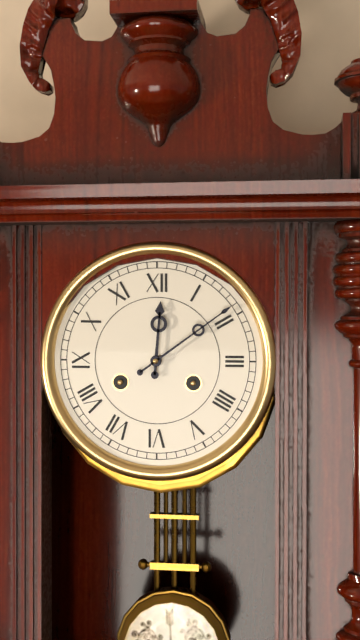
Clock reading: h=12 m=9
